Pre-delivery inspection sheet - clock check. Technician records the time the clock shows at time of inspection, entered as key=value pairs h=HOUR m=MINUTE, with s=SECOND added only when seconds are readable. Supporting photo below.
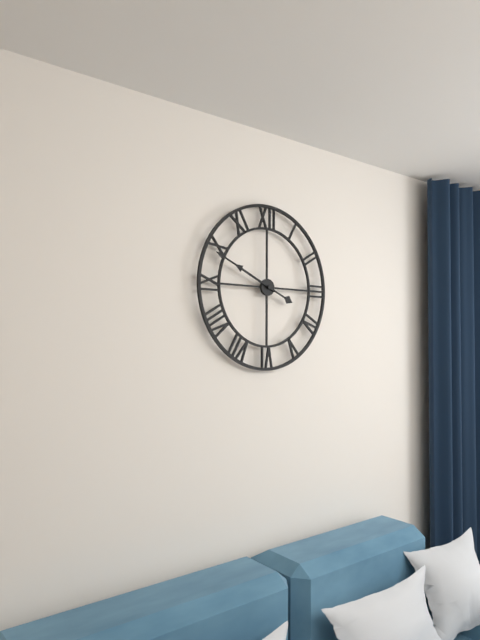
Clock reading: h=9 m=49
